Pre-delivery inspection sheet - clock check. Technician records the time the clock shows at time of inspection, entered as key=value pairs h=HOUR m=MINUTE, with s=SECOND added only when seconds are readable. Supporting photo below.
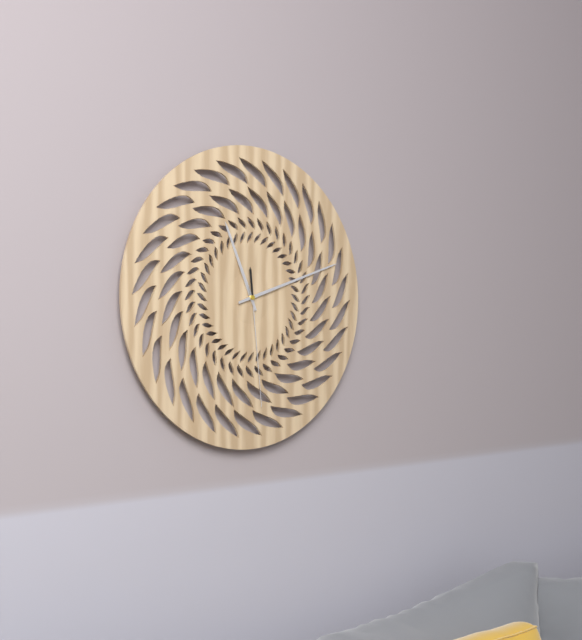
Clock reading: h=11 m=12 s=29
